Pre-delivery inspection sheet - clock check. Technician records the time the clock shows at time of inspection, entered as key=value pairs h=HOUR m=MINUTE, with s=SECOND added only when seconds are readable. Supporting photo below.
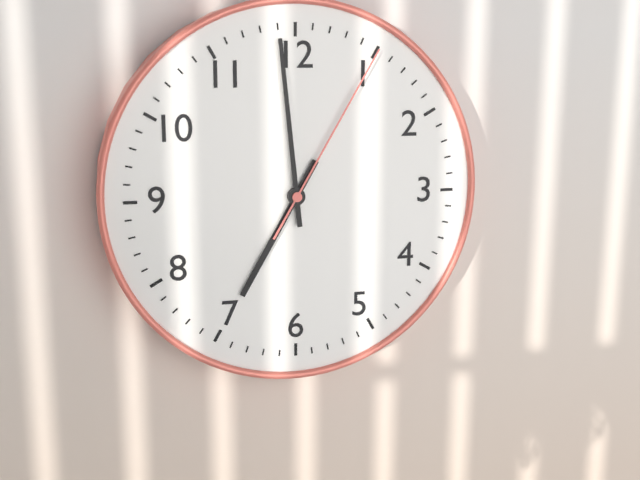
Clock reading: h=6 m=59 s=5
